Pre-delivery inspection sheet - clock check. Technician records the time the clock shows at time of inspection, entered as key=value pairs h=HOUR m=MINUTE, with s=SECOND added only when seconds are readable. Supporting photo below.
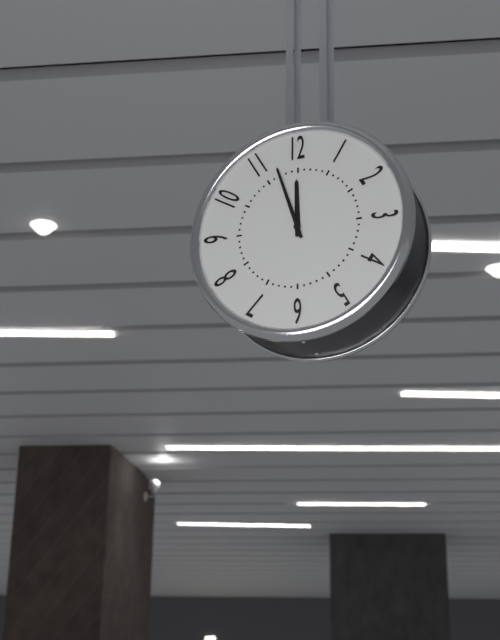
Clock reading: h=11 m=57
